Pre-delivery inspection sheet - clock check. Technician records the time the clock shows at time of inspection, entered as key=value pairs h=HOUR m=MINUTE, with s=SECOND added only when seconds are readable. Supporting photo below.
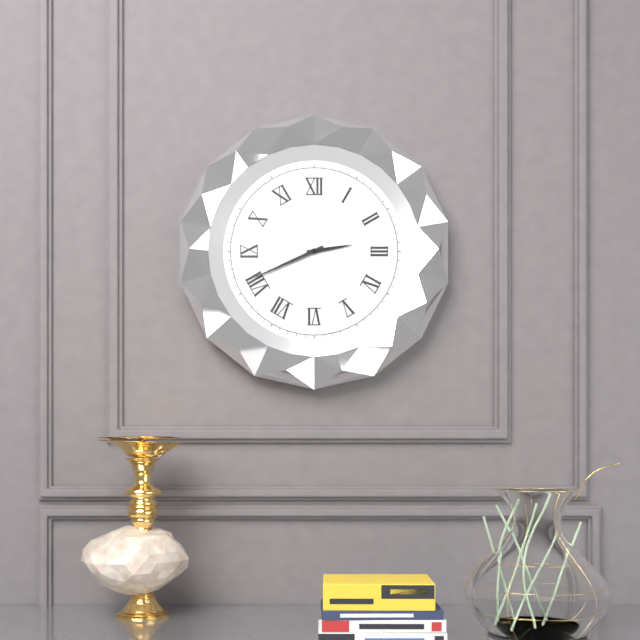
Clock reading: h=2 m=41
